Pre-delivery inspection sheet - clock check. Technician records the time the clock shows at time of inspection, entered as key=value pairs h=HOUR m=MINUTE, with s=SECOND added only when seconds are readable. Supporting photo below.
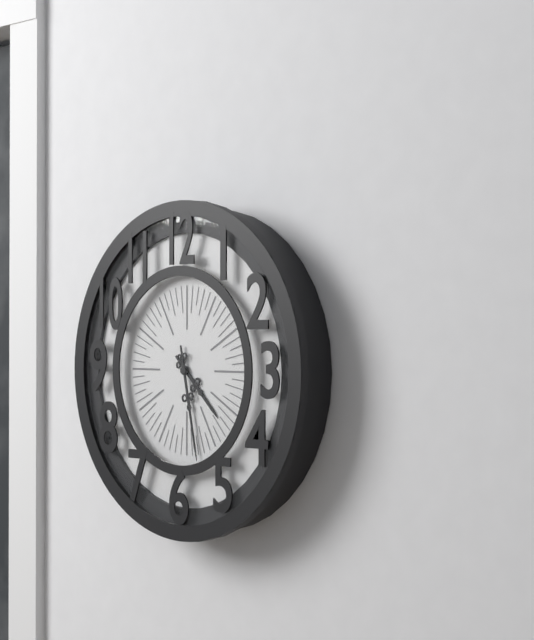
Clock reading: h=4 m=28
